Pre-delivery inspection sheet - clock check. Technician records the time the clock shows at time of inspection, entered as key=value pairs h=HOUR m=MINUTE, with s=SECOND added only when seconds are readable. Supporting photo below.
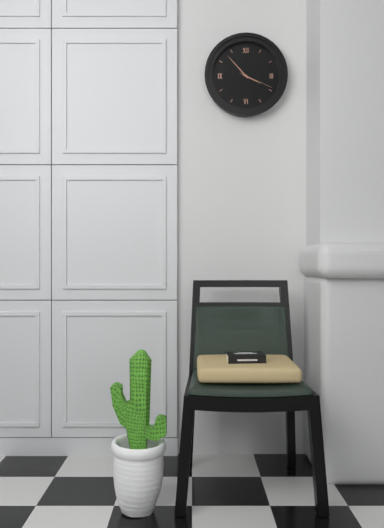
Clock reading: h=3 m=53
